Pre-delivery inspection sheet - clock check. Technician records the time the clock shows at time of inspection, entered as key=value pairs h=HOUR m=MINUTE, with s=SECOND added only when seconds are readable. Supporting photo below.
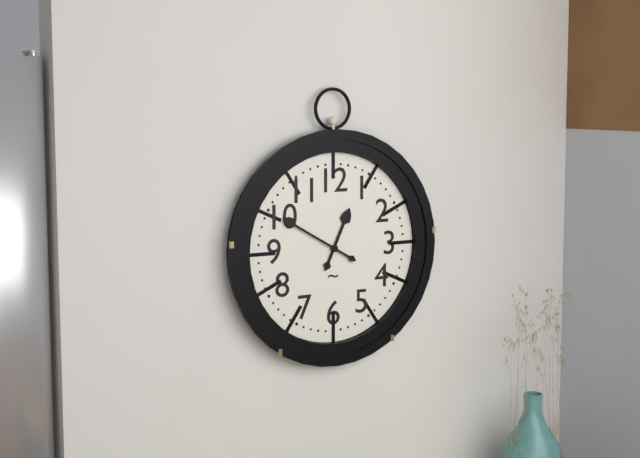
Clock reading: h=12 m=50
